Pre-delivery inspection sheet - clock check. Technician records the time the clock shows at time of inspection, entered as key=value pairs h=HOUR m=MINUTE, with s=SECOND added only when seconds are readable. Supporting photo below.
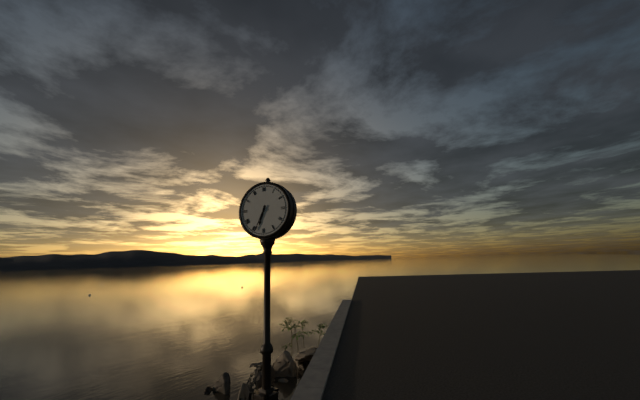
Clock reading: h=6 m=34
